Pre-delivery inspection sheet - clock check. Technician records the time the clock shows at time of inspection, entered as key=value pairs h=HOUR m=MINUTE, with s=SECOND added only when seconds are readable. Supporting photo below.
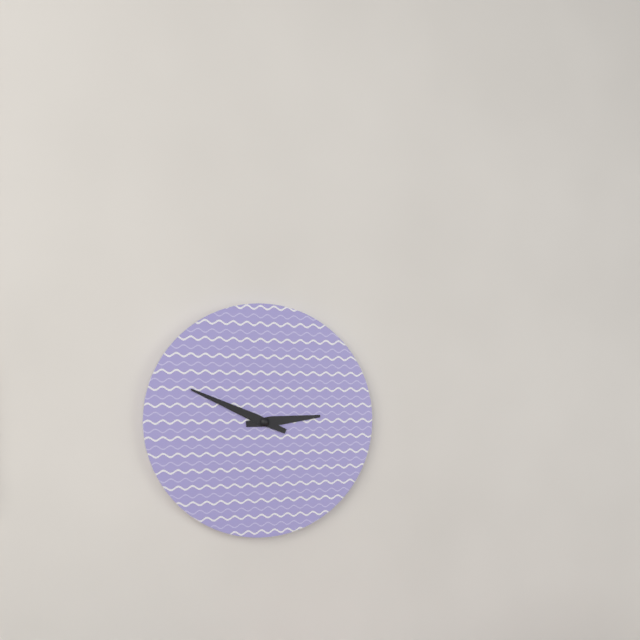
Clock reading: h=2 m=49
